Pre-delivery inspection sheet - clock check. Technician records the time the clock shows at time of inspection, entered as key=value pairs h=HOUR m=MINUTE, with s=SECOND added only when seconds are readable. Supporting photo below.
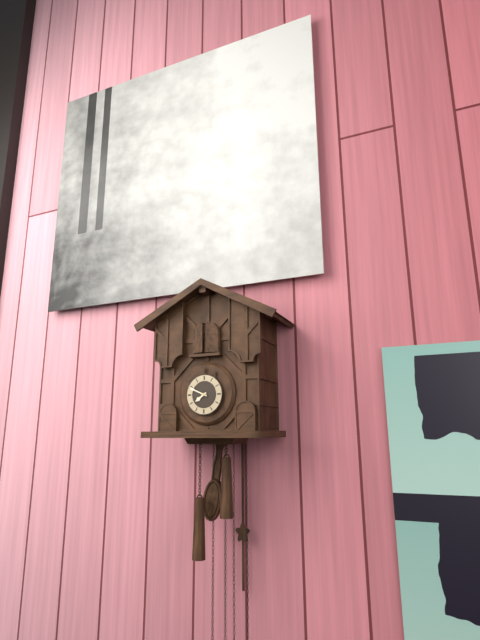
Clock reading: h=7 m=49
